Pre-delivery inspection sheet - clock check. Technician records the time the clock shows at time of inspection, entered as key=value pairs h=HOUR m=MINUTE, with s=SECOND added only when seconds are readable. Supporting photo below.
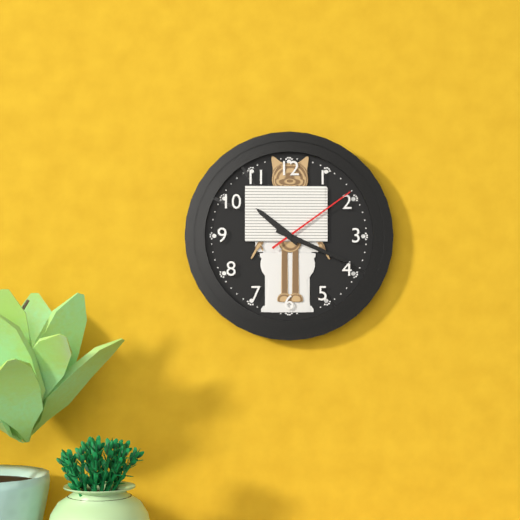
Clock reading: h=10 m=19 s=9
